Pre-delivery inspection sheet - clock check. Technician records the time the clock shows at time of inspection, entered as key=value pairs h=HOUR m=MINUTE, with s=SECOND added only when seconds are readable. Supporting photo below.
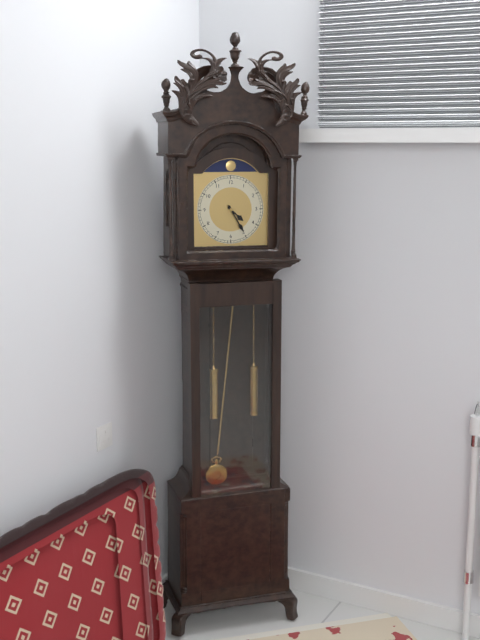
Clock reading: h=4 m=25
